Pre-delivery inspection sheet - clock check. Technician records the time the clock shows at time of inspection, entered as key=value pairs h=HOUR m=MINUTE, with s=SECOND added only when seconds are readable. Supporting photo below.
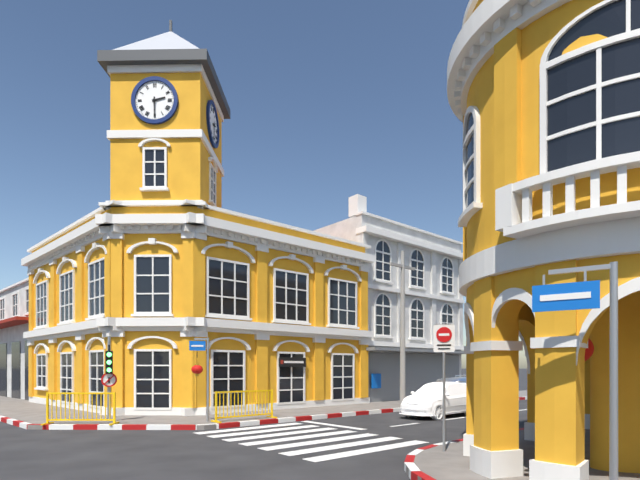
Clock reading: h=2 m=30
